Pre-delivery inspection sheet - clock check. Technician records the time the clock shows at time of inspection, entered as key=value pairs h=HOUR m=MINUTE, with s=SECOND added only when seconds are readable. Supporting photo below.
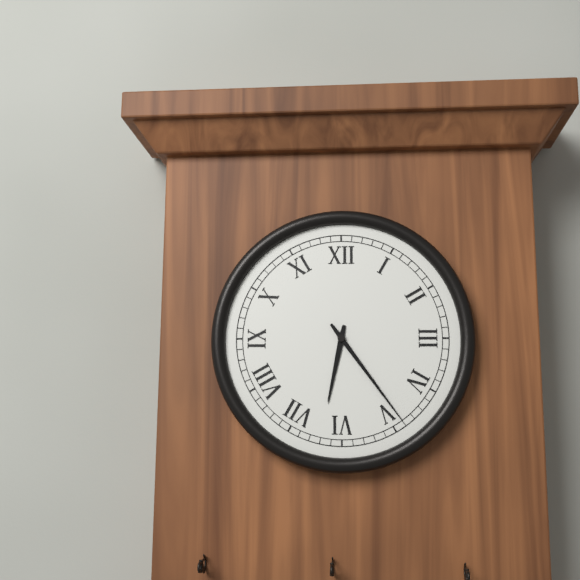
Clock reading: h=6 m=24
